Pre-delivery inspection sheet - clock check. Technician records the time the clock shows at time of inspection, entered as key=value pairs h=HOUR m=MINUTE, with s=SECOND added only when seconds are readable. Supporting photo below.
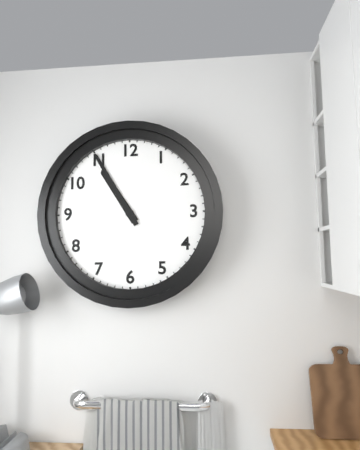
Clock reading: h=10 m=55
